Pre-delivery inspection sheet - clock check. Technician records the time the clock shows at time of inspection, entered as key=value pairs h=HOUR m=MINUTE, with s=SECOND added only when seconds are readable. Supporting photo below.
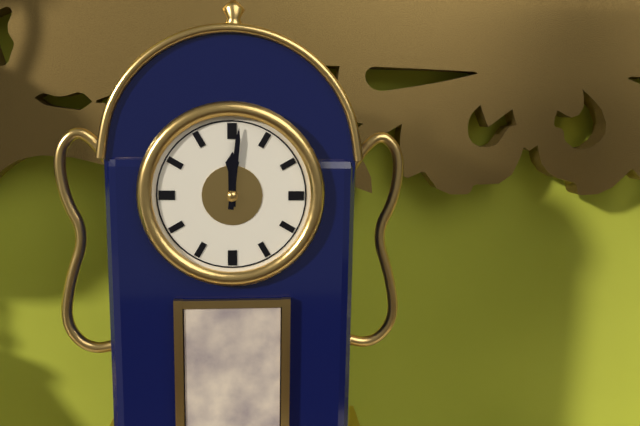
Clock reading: h=12 m=1
